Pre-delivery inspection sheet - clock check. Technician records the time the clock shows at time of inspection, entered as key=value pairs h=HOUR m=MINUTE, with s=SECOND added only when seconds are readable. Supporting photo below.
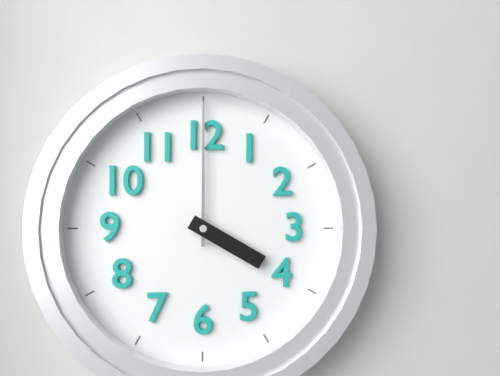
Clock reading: h=4 m=0
